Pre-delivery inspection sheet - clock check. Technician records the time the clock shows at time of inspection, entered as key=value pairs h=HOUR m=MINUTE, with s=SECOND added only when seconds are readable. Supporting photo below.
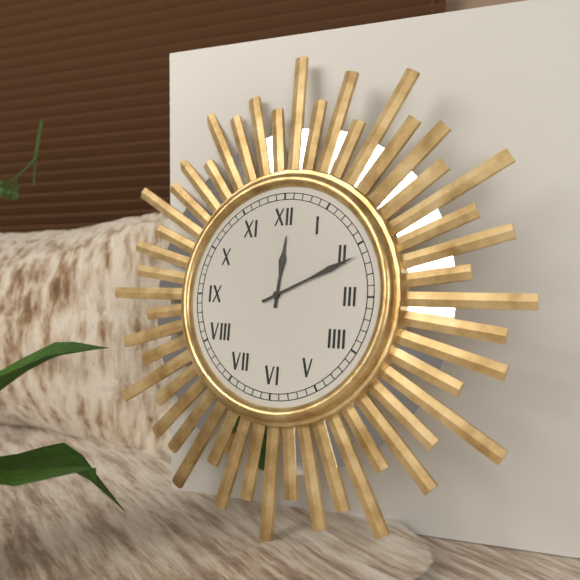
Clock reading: h=12 m=11
